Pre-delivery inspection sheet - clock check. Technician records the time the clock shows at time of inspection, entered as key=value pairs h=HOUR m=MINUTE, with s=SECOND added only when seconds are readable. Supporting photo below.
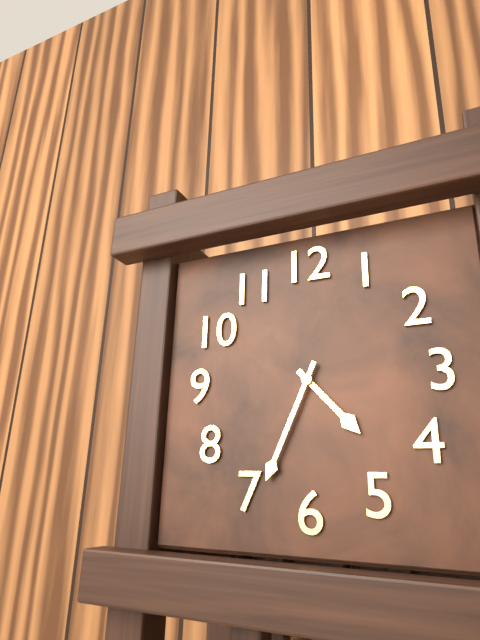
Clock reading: h=4 m=34
